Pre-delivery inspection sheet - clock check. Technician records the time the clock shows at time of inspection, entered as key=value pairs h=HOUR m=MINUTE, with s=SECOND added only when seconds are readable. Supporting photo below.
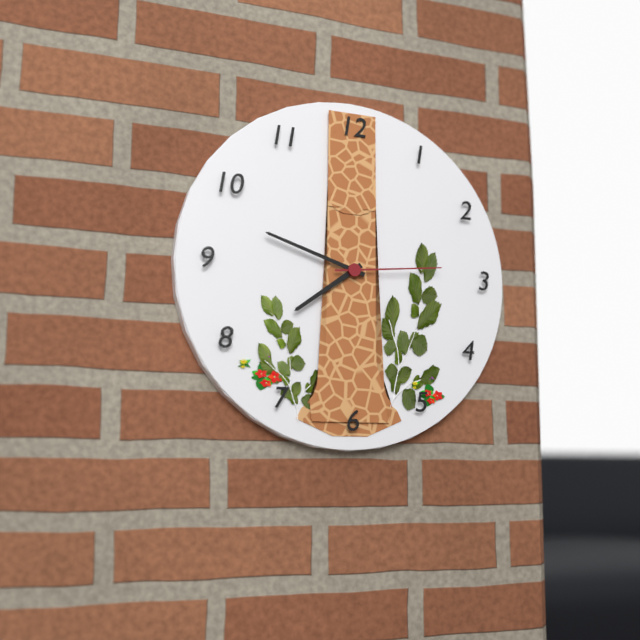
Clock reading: h=7 m=48 s=14
